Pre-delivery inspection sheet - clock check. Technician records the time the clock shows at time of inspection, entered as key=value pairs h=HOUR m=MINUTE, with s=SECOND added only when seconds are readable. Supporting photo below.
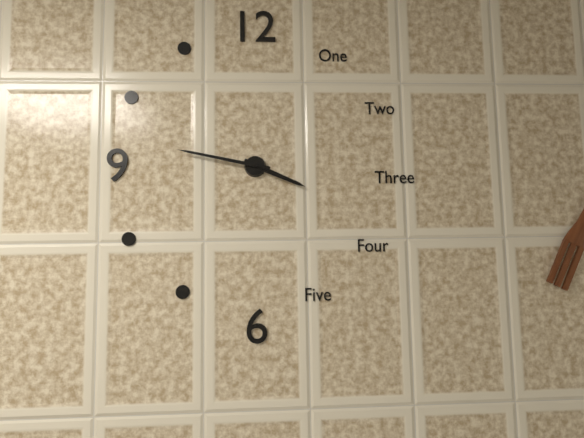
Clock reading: h=3 m=47
